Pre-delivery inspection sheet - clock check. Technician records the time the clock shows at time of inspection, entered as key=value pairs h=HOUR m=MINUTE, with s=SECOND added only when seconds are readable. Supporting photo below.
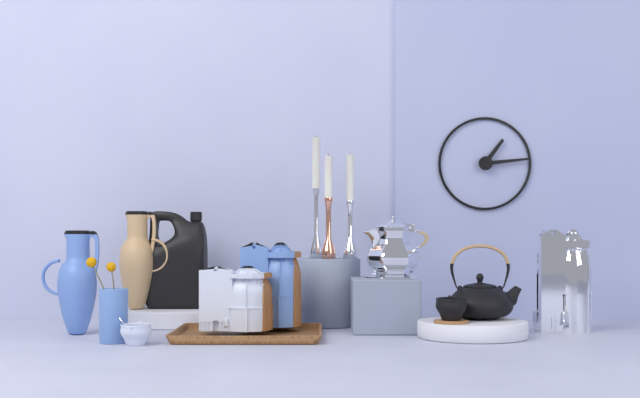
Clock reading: h=1 m=14
